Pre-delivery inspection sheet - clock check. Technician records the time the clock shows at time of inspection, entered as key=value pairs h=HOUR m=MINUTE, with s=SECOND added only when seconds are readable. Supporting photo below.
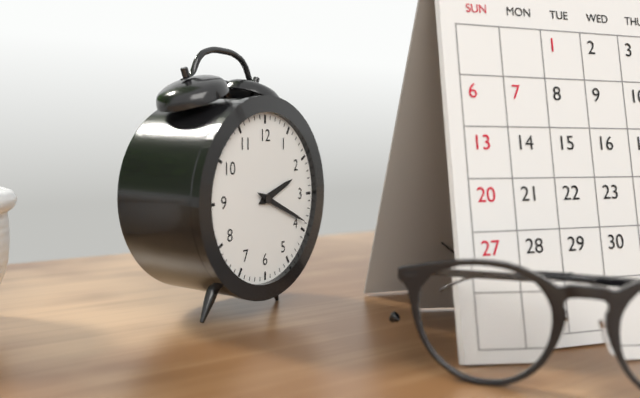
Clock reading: h=2 m=19
